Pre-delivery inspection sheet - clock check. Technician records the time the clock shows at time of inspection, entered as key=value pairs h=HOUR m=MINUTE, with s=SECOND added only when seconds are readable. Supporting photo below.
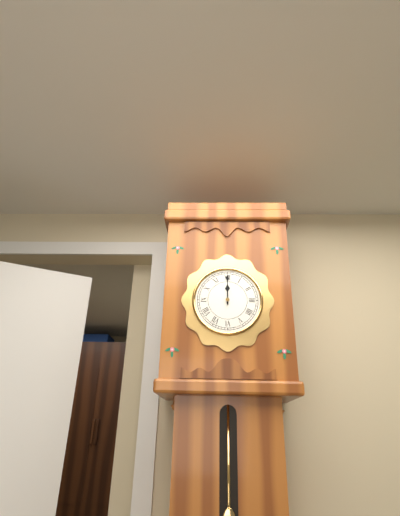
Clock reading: h=12 m=0
